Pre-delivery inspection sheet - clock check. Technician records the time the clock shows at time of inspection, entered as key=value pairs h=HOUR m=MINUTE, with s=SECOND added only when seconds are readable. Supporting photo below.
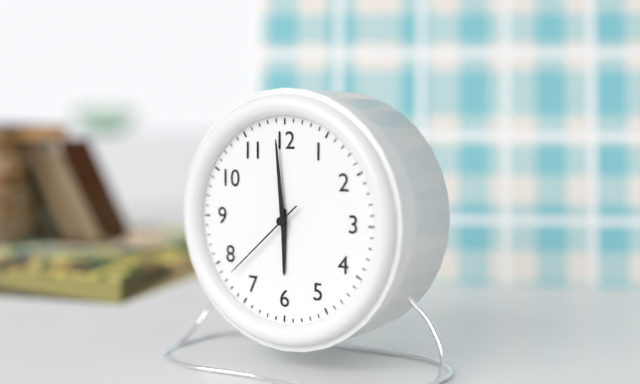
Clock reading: h=5 m=59 s=38
